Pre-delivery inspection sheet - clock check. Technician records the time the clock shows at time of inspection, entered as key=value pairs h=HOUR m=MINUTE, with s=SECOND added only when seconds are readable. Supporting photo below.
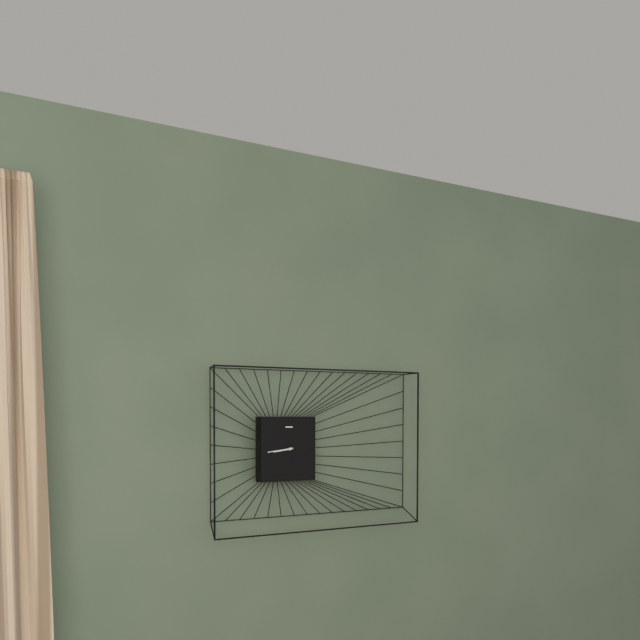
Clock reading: h=8 m=44
